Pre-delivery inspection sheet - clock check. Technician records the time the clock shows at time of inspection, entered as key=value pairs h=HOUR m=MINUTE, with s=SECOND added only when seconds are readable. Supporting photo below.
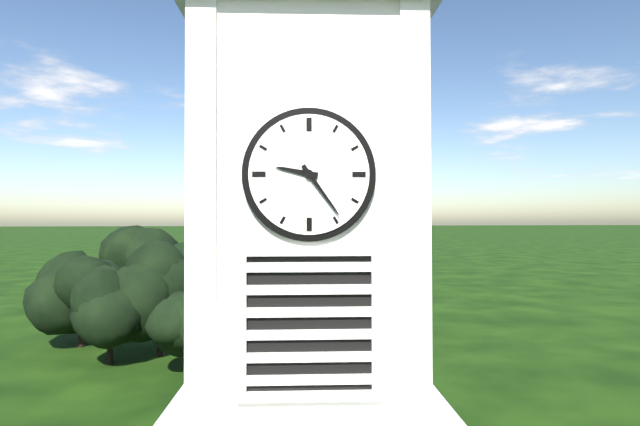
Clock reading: h=9 m=24
